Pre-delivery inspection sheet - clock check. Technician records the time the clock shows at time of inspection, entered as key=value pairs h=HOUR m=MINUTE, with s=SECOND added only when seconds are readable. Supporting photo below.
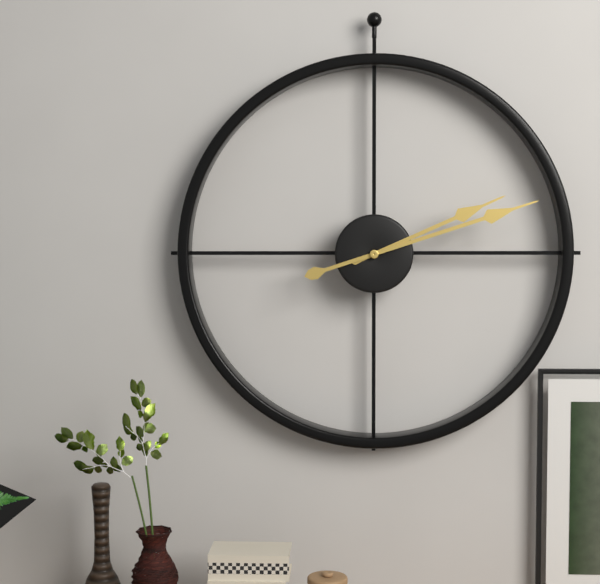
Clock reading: h=2 m=12
